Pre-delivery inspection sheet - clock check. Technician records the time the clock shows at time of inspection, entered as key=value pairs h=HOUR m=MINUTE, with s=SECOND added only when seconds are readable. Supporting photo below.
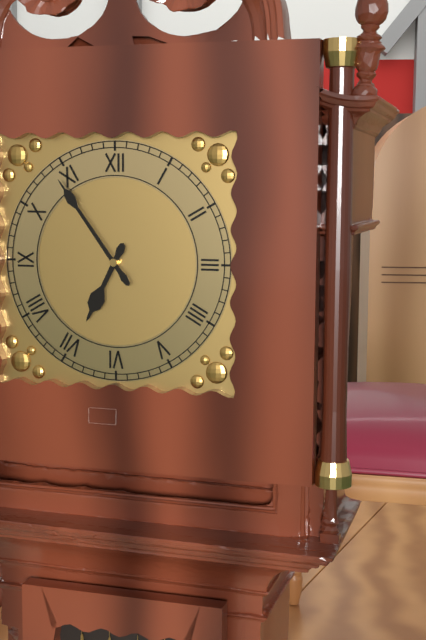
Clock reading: h=6 m=54
